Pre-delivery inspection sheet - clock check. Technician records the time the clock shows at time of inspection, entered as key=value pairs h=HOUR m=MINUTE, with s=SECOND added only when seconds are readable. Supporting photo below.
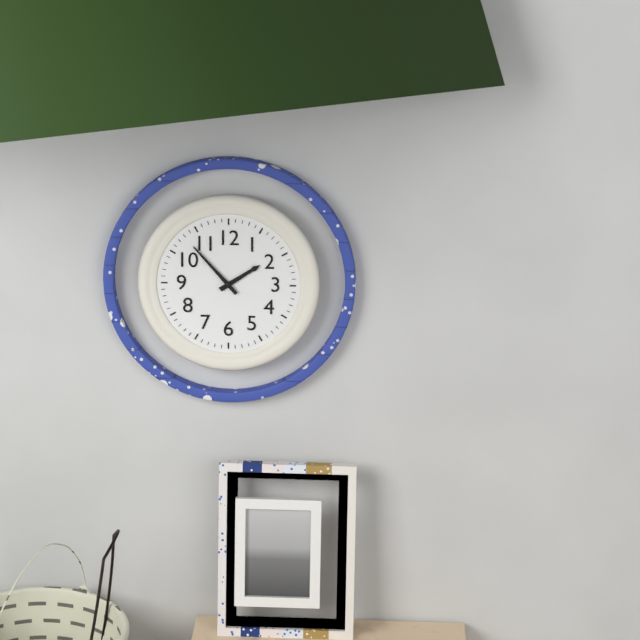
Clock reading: h=1 m=53
